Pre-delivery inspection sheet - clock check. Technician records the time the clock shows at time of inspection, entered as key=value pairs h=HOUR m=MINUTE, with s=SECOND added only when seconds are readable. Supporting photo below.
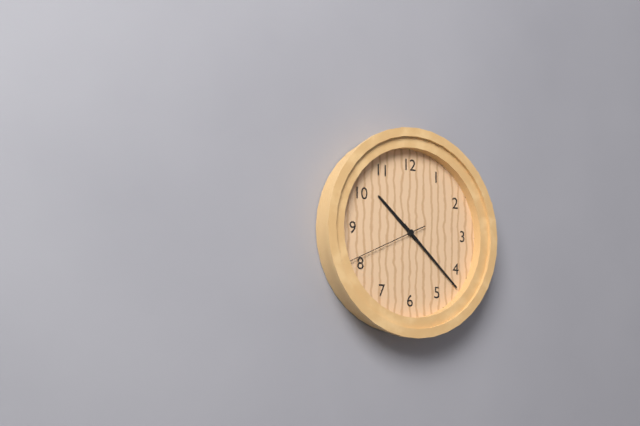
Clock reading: h=10 m=22 s=41
